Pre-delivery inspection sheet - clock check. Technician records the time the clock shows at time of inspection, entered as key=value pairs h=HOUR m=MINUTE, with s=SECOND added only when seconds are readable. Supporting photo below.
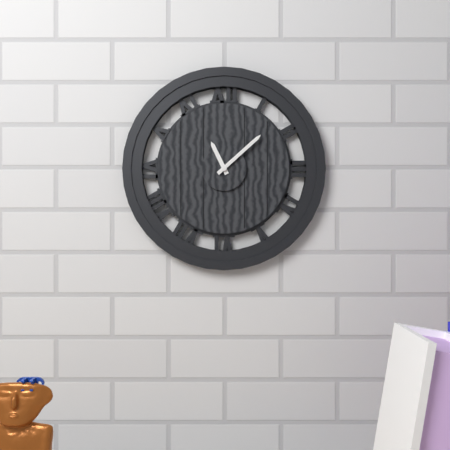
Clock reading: h=11 m=8
